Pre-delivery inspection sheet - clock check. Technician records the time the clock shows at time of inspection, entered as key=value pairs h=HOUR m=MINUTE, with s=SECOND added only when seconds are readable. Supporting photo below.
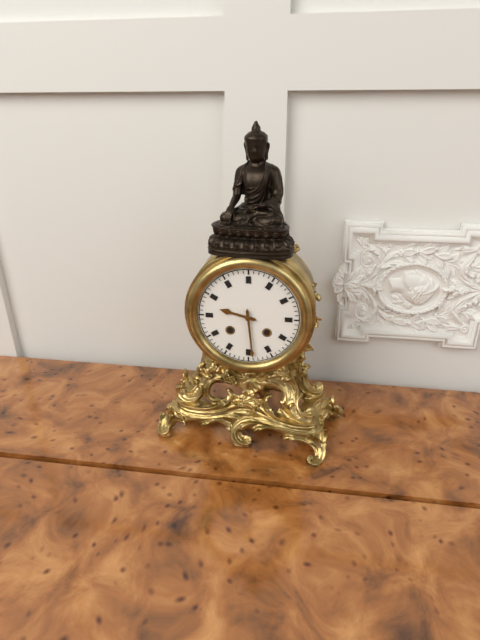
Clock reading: h=9 m=29
